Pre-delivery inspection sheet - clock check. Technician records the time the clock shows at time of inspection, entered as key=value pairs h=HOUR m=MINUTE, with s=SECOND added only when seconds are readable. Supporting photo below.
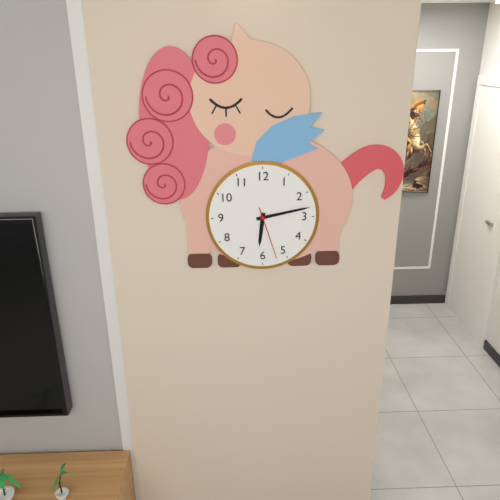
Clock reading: h=6 m=13 s=27
